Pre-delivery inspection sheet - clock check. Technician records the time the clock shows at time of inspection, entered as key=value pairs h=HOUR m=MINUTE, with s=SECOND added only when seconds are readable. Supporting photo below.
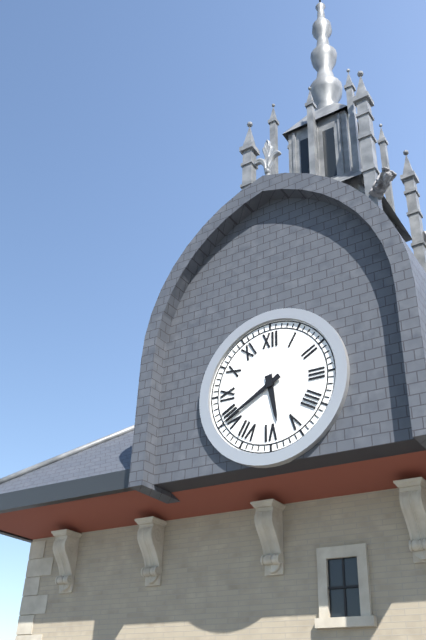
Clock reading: h=5 m=40
